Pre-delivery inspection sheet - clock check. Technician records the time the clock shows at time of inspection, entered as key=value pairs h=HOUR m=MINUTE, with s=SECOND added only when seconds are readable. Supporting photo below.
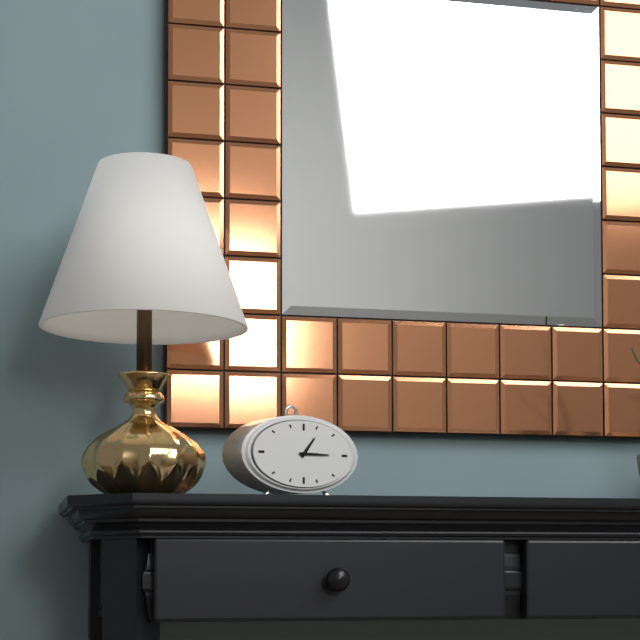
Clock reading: h=1 m=15
